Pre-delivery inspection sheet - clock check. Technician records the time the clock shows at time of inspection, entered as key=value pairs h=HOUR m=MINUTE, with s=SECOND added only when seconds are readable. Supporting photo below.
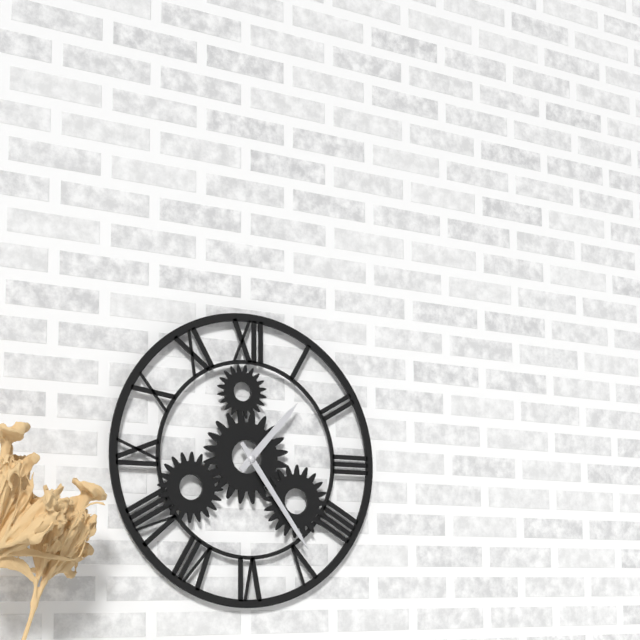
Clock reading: h=1 m=24
